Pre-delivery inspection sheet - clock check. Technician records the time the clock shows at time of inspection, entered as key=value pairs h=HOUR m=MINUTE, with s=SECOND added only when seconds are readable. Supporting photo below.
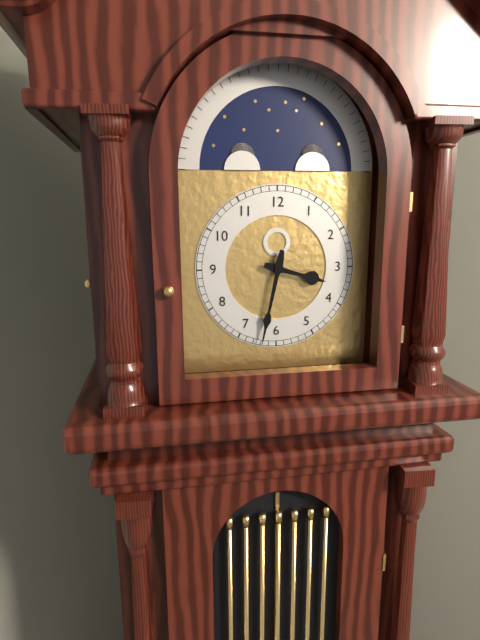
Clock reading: h=3 m=32
